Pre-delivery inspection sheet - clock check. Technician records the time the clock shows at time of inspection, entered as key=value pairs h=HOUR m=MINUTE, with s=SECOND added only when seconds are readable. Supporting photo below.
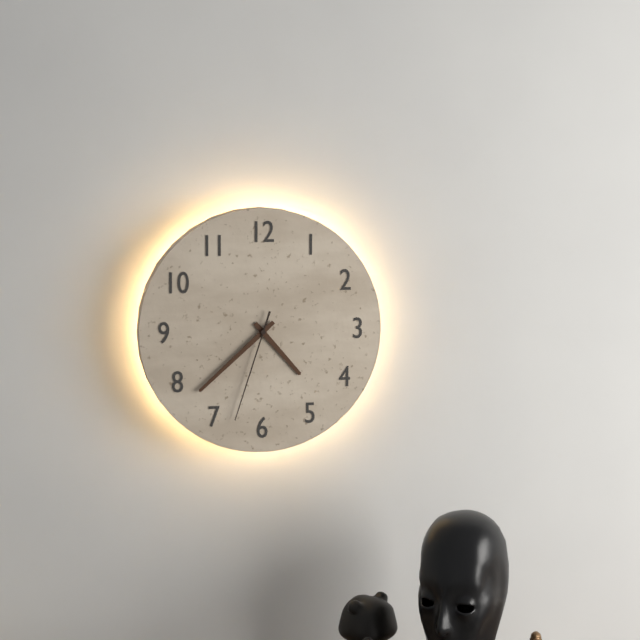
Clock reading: h=4 m=38 s=33
